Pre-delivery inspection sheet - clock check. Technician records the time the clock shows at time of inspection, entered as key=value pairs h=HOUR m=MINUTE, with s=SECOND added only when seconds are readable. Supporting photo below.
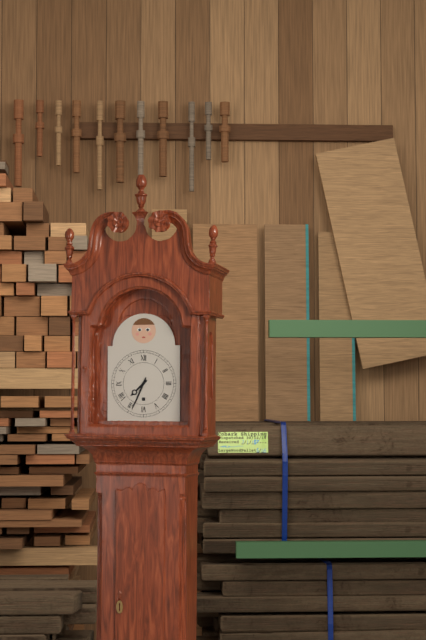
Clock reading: h=7 m=34
